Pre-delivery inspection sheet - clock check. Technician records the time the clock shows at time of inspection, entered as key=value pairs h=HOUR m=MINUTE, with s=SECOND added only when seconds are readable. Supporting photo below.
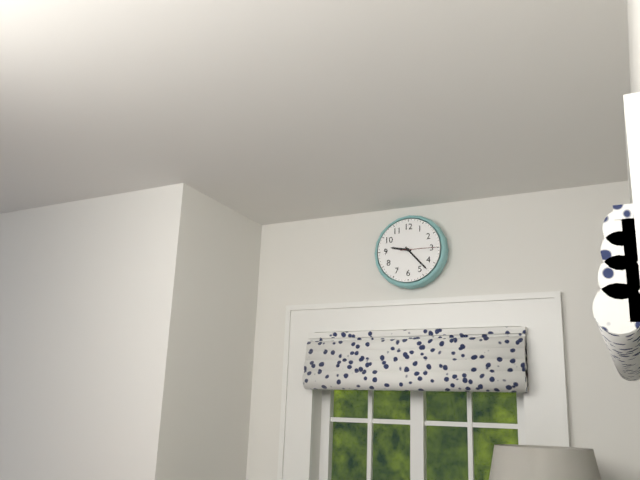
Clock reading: h=9 m=23
